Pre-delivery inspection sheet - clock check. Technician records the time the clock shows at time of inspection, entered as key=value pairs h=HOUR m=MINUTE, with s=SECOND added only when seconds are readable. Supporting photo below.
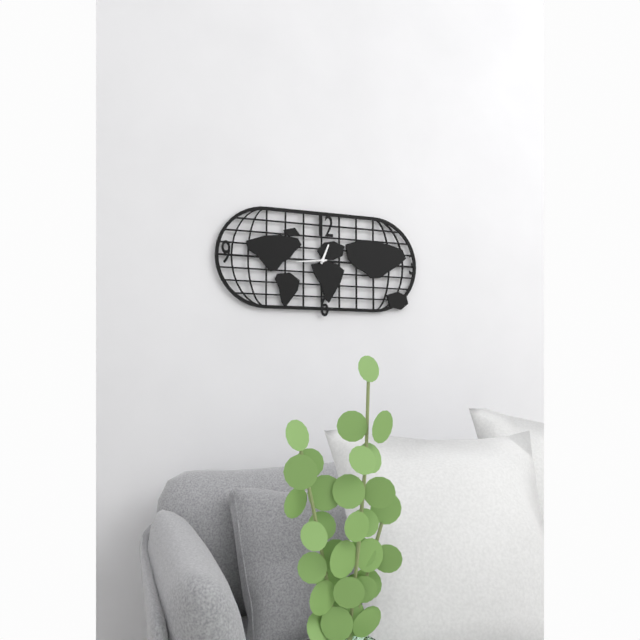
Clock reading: h=12 m=44
